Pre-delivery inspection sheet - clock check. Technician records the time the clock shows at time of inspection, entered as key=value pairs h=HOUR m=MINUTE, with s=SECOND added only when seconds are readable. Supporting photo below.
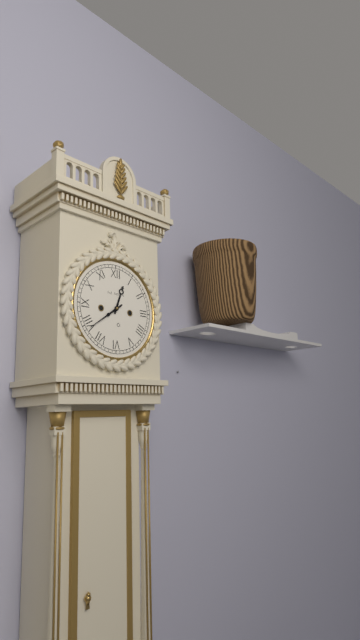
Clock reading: h=12 m=39
